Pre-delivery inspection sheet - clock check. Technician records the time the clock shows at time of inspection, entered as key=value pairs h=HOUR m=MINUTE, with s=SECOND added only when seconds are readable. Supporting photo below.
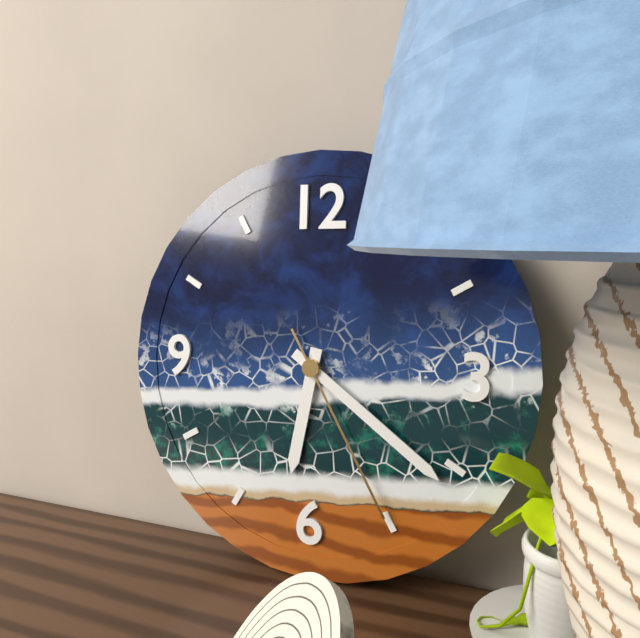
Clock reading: h=6 m=21 s=25
